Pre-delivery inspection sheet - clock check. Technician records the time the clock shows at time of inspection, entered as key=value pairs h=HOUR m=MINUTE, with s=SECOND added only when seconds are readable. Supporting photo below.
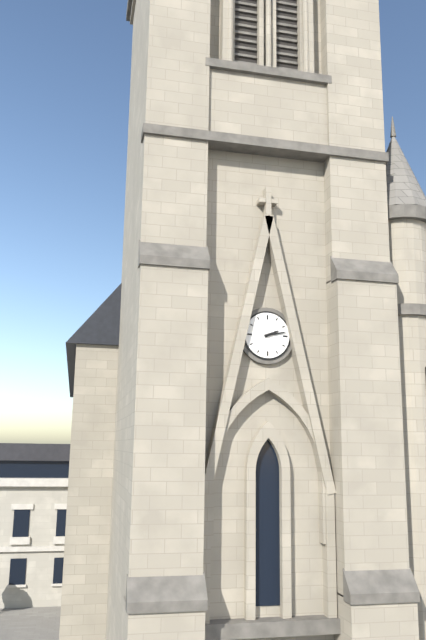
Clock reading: h=2 m=13
